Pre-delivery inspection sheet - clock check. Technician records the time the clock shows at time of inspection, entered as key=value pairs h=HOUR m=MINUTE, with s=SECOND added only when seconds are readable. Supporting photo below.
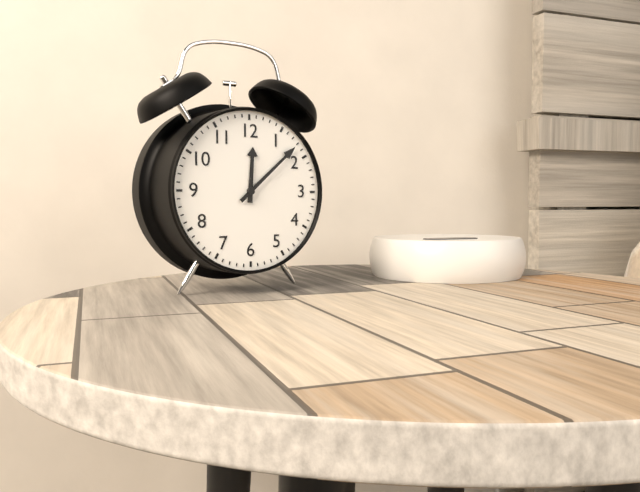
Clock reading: h=12 m=8
